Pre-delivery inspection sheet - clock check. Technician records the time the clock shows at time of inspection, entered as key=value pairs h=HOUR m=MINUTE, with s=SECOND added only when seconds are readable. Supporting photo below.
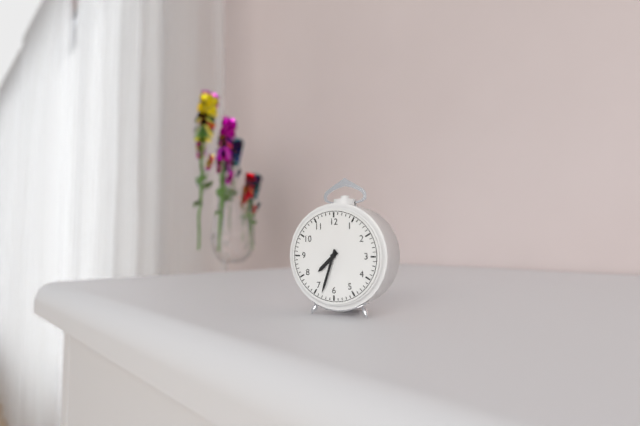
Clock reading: h=7 m=33
